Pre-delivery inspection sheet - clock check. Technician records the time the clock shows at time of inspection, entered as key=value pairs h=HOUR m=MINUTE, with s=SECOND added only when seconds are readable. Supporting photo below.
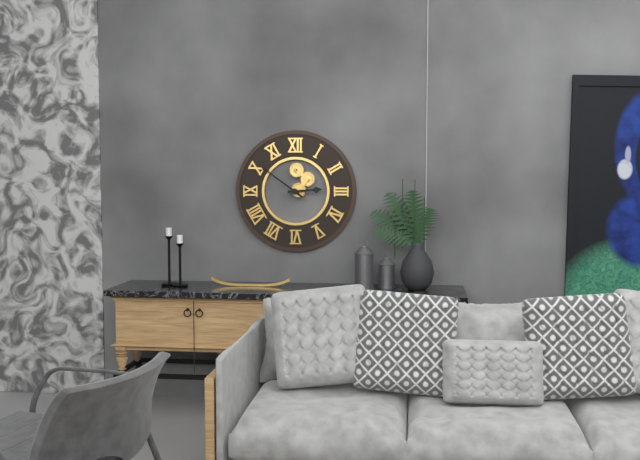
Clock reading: h=2 m=51
